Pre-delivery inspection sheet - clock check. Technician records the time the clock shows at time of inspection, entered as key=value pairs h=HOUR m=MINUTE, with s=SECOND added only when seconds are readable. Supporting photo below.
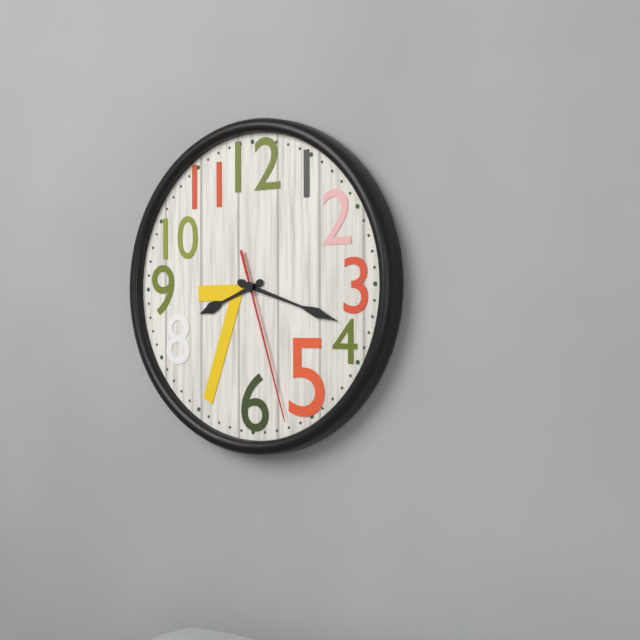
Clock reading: h=8 m=18 s=27
